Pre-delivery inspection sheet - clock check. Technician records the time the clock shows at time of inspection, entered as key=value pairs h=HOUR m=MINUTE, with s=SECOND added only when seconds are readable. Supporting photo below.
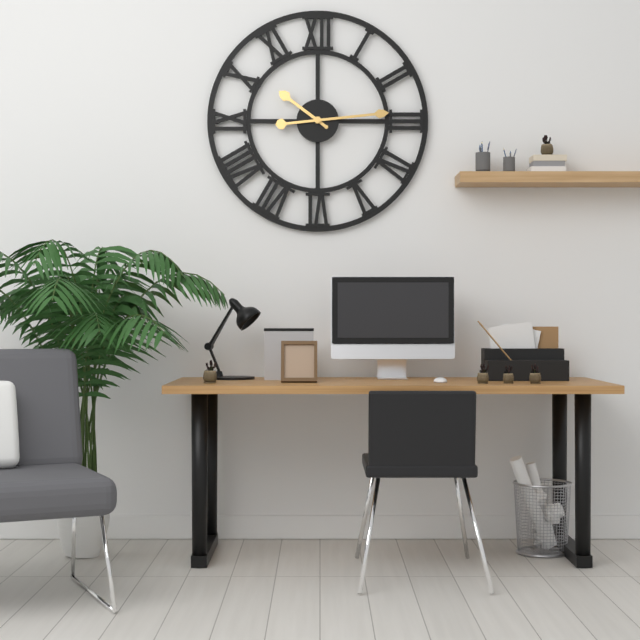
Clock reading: h=10 m=14
